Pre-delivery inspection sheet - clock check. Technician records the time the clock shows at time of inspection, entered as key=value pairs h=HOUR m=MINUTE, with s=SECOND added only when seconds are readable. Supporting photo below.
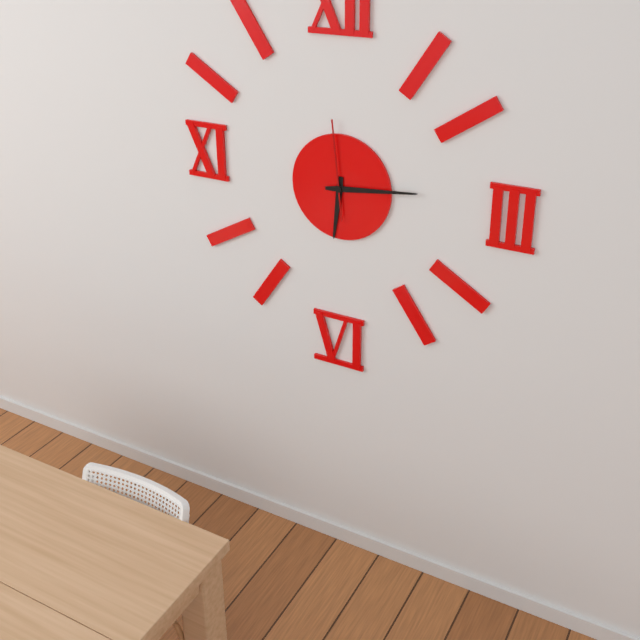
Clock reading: h=6 m=14 s=59
